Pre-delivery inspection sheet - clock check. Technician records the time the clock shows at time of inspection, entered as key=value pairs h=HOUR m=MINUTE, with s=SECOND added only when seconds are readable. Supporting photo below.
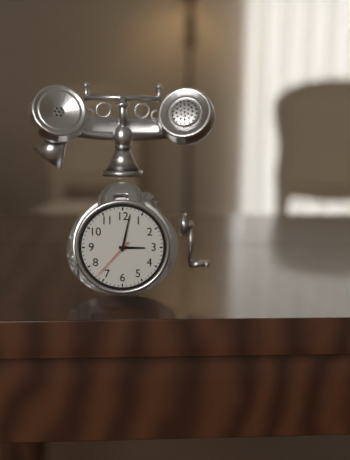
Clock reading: h=3 m=2
